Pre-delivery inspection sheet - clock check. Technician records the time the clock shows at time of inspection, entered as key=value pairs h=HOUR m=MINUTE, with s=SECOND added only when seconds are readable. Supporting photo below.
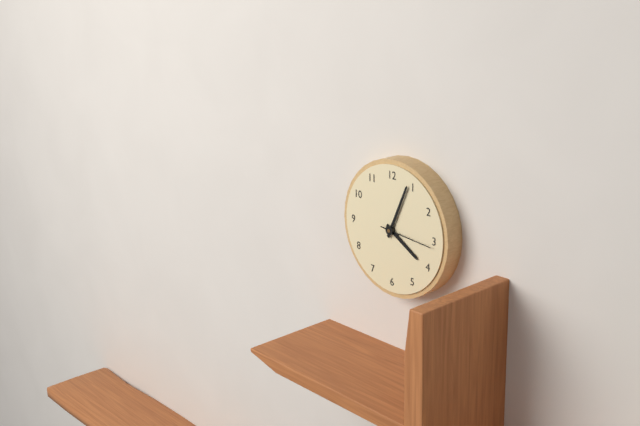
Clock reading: h=4 m=4 s=16
